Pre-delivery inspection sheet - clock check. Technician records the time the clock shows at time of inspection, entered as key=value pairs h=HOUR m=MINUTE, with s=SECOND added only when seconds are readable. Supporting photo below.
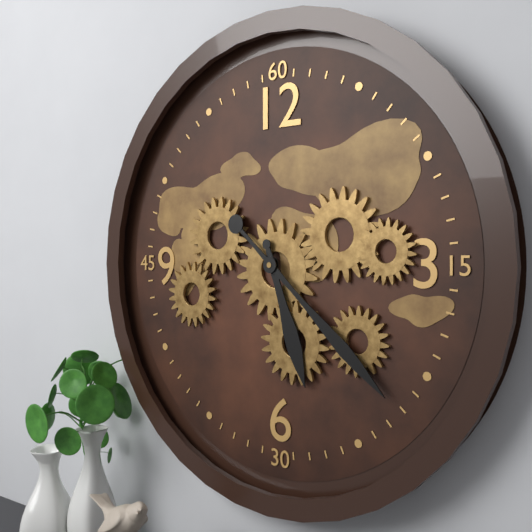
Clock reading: h=5 m=22
